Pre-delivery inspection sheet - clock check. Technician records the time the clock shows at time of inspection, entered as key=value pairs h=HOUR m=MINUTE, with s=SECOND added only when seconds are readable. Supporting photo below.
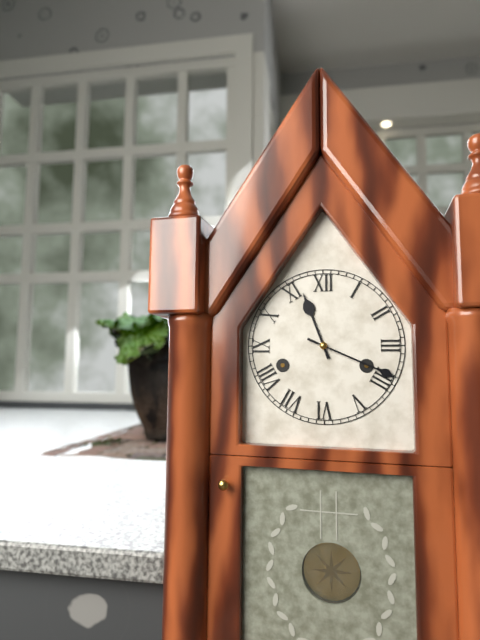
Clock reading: h=11 m=19
